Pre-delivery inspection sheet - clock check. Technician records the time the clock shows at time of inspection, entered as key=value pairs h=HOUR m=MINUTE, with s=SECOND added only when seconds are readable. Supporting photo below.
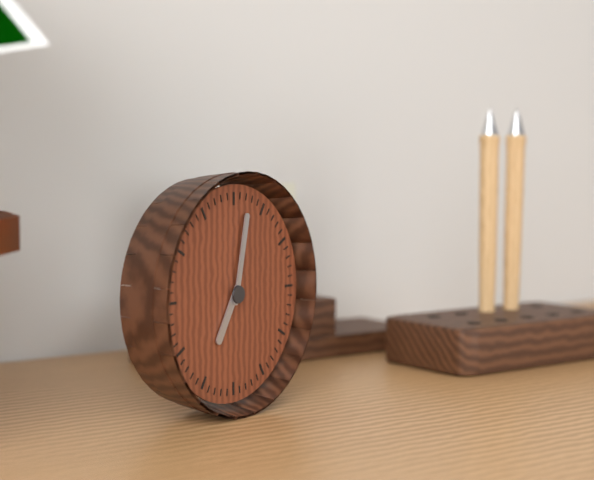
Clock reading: h=7 m=2
